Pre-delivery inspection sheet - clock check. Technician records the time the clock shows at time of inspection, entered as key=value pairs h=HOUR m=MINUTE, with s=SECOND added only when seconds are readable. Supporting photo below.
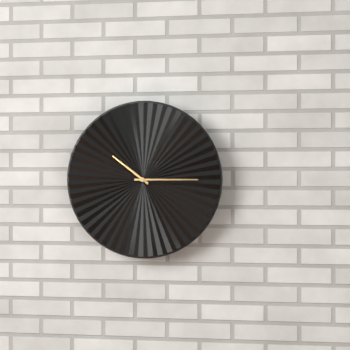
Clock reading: h=10 m=15
